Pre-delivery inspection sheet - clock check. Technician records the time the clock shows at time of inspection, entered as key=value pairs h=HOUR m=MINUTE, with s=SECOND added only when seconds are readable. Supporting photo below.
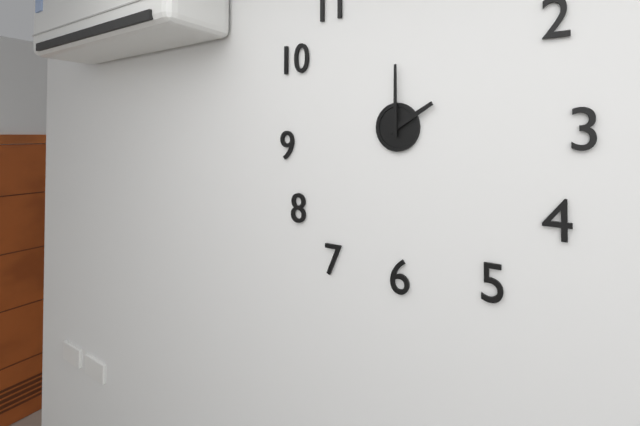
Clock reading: h=2 m=0
